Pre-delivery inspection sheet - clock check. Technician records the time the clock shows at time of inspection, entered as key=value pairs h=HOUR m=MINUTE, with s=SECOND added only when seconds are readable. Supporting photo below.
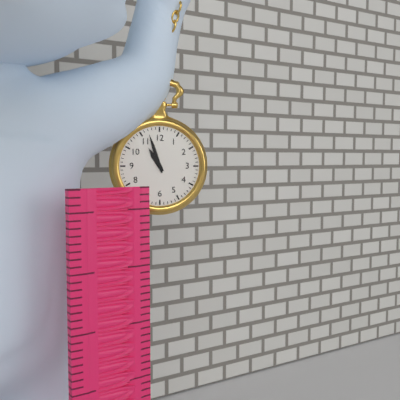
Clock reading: h=10 m=57
